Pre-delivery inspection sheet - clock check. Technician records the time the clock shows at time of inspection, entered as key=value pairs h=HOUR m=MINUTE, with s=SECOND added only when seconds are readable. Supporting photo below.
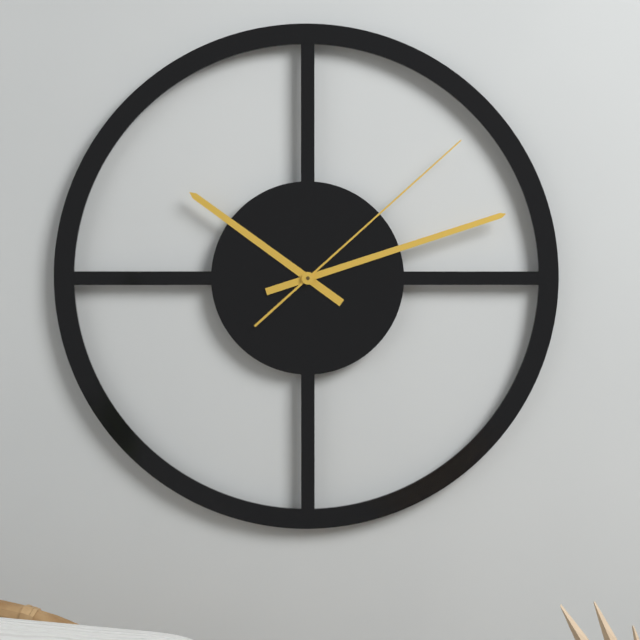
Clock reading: h=10 m=12 s=8
